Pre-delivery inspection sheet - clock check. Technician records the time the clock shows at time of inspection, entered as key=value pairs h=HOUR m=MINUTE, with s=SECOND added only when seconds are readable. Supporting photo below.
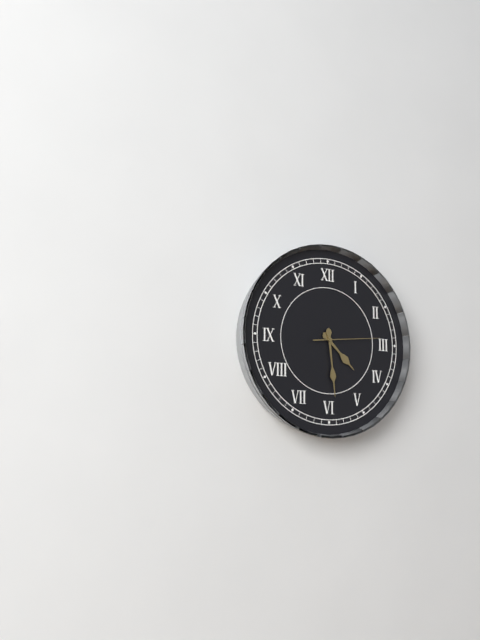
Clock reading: h=4 m=29 s=14
